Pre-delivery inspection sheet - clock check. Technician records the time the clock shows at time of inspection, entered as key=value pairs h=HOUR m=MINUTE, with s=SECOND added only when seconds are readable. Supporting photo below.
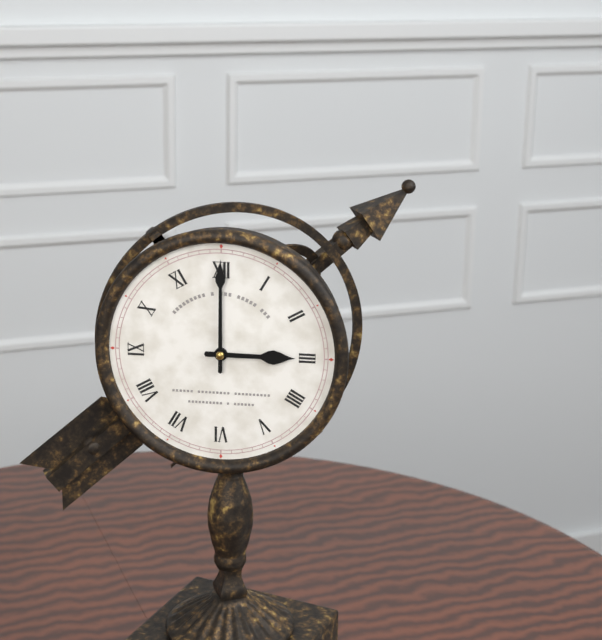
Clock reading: h=3 m=0
